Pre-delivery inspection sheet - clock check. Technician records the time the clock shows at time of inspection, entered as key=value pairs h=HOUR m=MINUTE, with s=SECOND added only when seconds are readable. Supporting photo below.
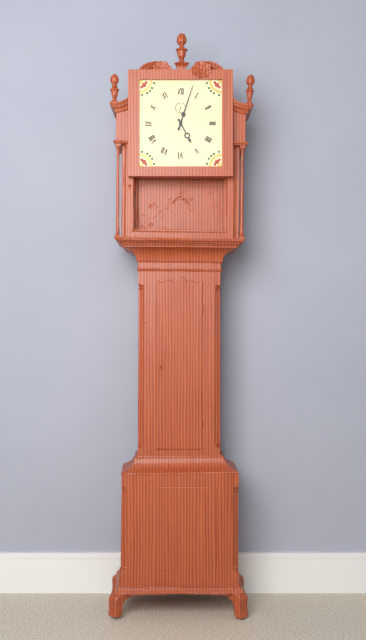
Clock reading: h=5 m=3
